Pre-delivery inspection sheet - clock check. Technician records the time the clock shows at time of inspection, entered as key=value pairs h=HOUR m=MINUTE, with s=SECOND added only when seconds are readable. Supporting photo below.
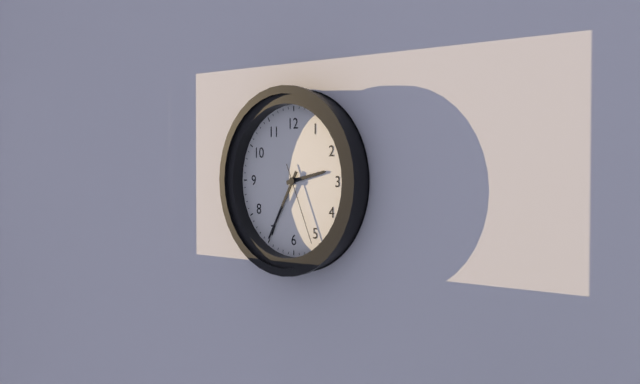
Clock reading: h=2 m=35 s=26
